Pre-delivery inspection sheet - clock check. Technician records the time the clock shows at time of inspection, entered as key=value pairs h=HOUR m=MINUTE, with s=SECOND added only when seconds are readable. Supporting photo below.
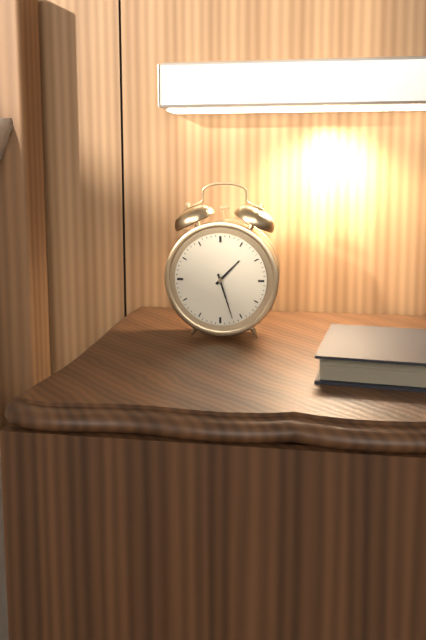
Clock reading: h=1 m=27
